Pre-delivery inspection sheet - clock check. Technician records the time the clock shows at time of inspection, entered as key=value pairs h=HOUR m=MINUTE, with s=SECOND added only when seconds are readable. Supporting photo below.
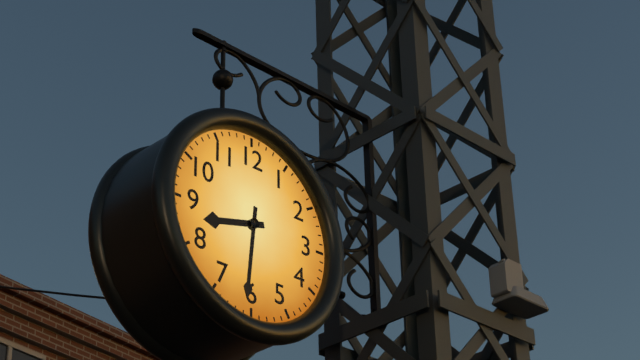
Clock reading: h=8 m=31
